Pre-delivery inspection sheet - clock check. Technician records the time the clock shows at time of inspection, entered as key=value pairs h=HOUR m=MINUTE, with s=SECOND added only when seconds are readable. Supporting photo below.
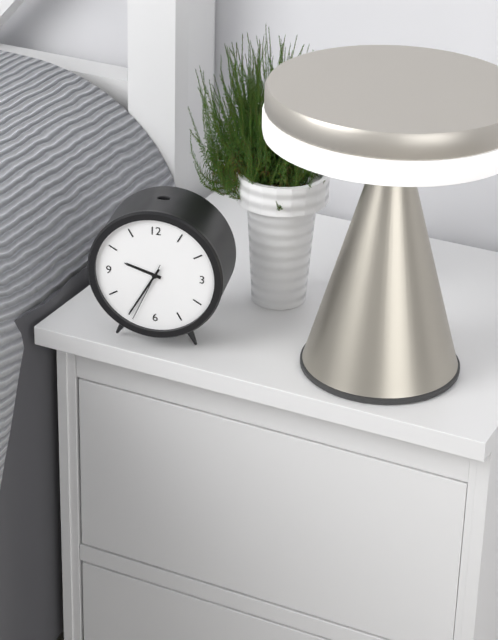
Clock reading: h=9 m=35 s=34
